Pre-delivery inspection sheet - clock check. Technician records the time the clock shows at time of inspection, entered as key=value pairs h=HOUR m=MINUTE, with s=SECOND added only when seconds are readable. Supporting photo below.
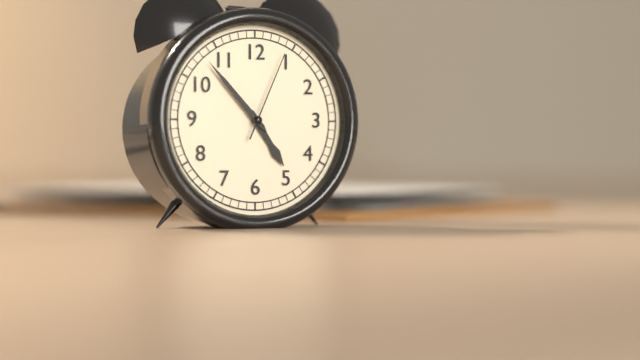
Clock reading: h=4 m=53 s=4
